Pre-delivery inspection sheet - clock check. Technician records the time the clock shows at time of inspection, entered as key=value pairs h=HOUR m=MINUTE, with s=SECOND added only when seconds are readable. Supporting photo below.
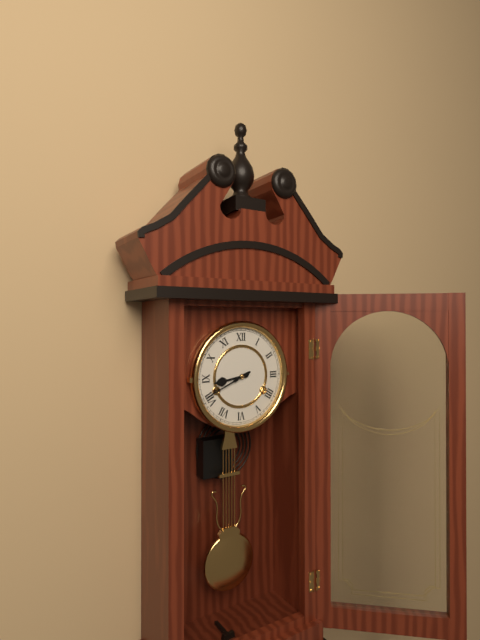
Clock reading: h=8 m=41
